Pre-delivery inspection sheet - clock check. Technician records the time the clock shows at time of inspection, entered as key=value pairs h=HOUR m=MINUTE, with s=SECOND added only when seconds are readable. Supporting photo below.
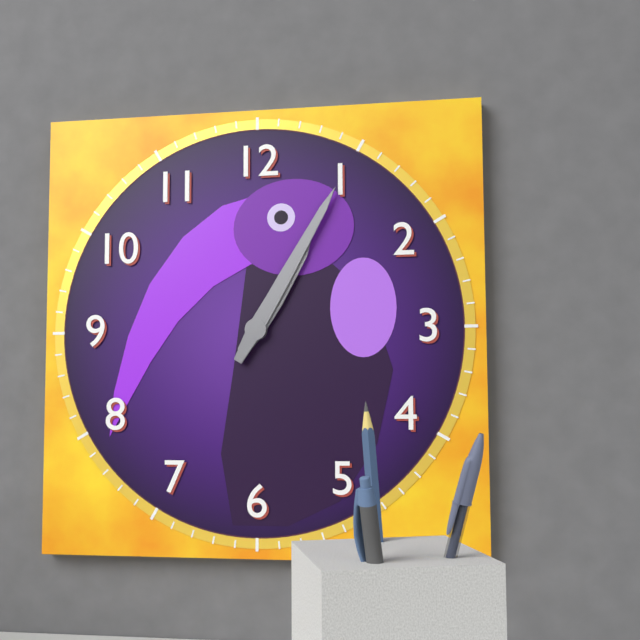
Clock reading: h=1 m=5
